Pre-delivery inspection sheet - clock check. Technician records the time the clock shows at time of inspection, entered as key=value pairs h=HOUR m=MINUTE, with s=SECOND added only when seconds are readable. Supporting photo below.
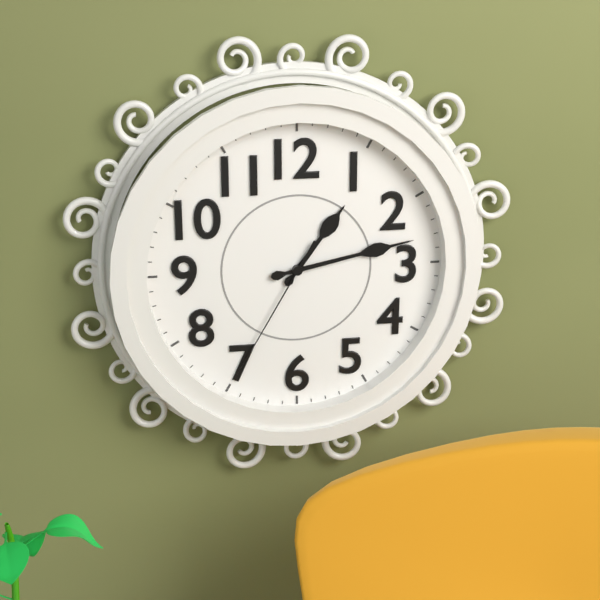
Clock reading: h=1 m=13 s=35
